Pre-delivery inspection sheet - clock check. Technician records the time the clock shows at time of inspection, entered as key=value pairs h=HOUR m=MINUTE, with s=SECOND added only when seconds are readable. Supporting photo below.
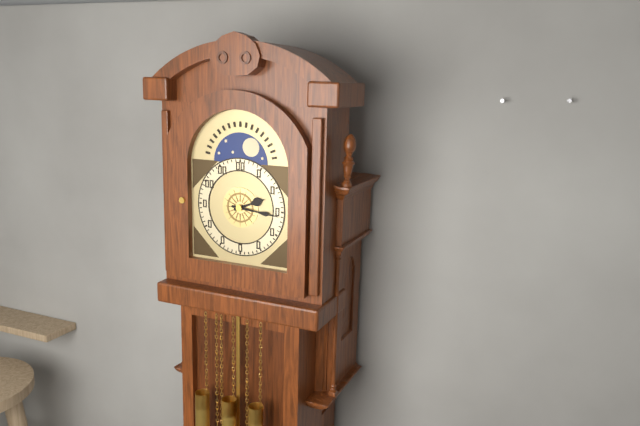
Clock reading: h=2 m=16
